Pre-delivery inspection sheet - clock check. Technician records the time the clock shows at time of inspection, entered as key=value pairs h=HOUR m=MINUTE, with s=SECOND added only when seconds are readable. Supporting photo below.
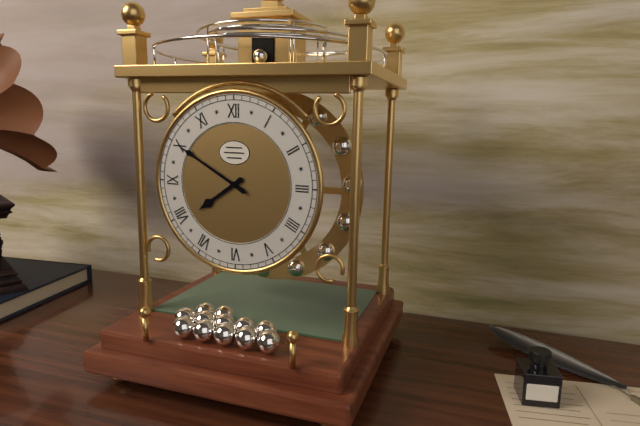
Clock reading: h=7 m=50
